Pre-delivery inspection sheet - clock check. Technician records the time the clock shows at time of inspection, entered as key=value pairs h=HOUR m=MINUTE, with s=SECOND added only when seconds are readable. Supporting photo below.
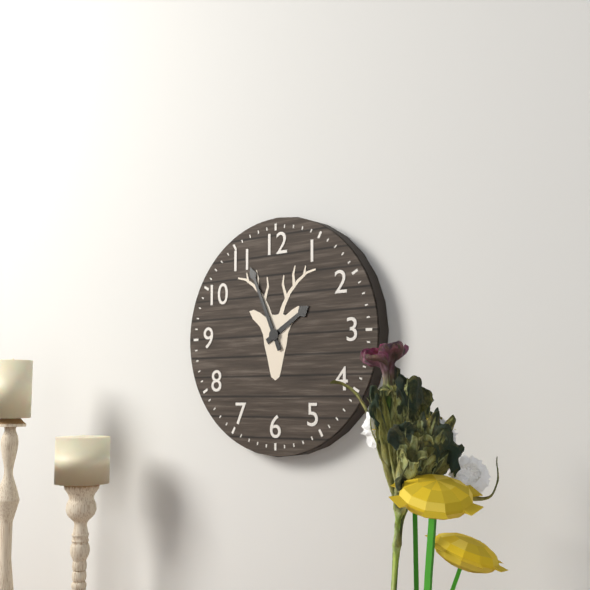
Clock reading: h=1 m=56
